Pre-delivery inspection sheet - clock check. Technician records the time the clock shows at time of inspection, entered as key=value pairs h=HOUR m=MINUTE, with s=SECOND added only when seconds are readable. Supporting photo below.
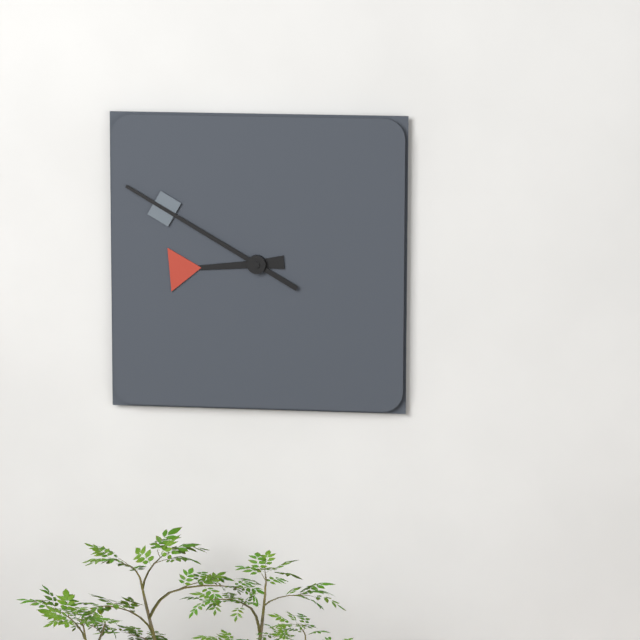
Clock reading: h=8 m=50
